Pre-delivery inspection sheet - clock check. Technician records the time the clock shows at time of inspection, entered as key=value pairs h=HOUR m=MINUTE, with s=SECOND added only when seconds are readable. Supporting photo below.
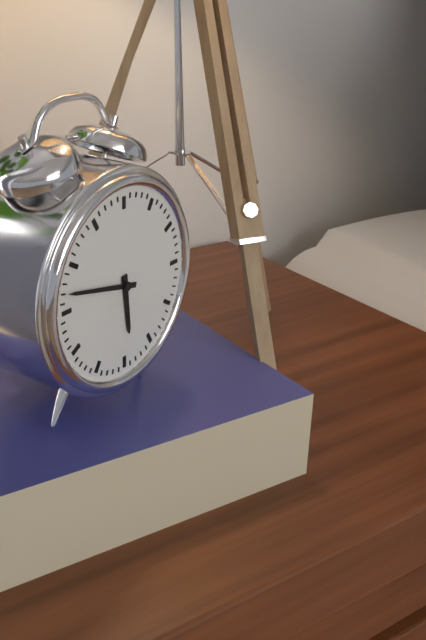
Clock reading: h=5 m=47
